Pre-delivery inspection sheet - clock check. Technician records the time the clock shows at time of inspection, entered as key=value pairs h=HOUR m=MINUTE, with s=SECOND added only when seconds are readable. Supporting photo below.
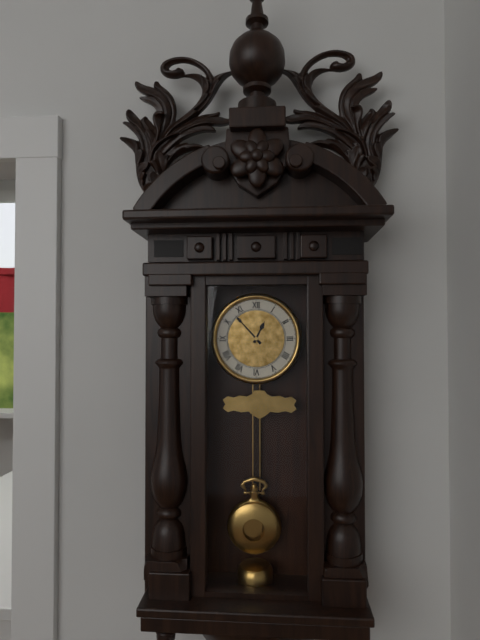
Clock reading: h=12 m=53
